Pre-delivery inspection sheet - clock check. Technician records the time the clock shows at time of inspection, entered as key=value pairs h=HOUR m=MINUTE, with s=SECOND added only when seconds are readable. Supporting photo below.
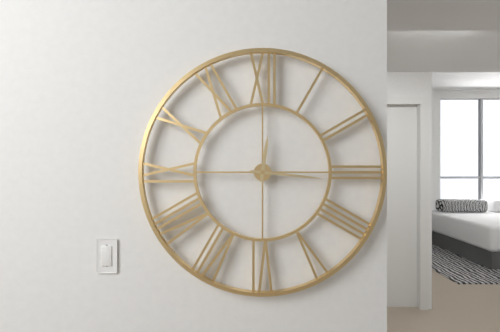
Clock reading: h=12 m=16
